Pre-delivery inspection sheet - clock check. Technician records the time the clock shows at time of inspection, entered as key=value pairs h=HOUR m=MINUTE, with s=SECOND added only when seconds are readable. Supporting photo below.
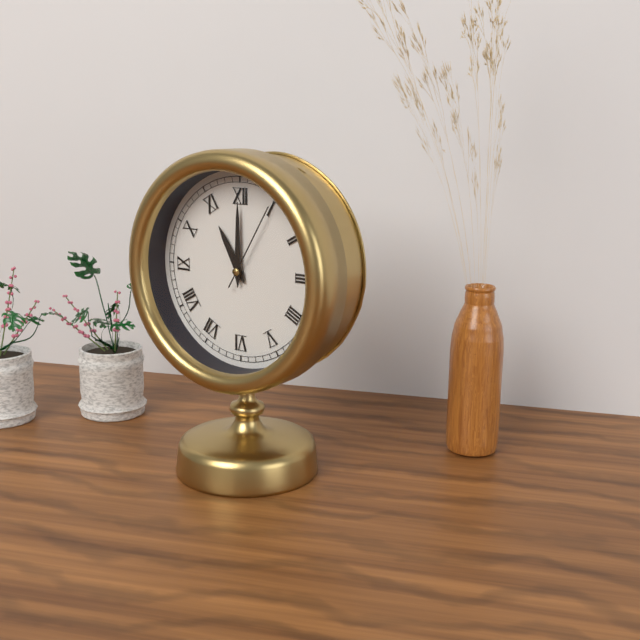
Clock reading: h=11 m=0 s=5
